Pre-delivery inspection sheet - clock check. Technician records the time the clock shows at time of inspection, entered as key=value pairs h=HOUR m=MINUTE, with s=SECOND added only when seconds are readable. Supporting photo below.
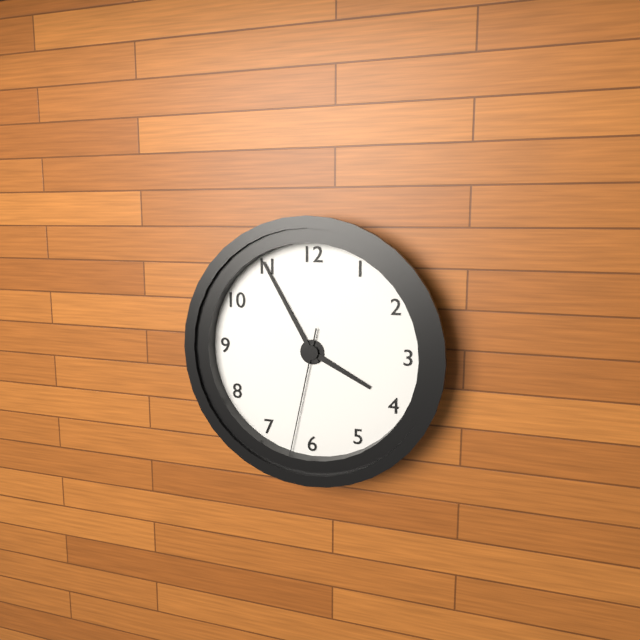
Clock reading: h=3 m=55 s=32
